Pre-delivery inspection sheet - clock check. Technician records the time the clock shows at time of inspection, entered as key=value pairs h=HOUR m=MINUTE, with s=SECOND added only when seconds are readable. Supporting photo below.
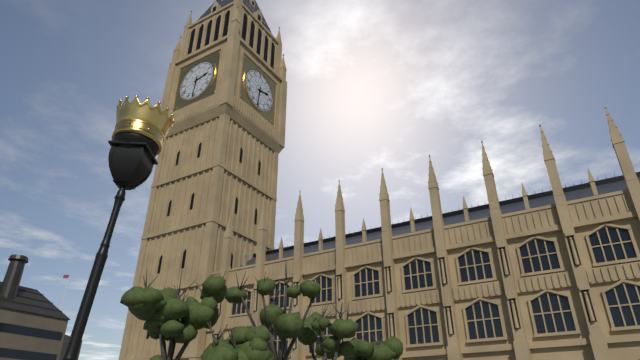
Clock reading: h=2 m=31
